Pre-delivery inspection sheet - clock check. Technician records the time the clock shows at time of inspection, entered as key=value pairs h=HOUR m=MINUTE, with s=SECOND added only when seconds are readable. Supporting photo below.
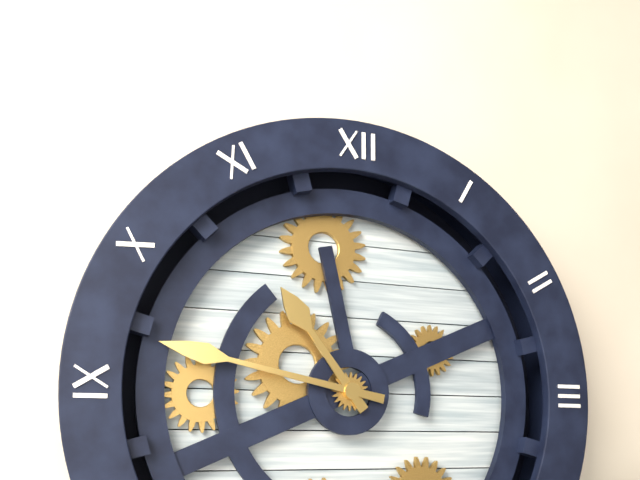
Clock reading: h=10 m=47
